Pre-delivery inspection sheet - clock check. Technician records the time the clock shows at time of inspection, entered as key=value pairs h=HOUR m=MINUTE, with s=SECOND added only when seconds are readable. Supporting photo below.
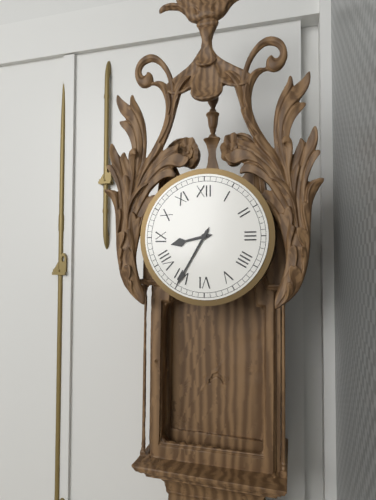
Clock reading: h=8 m=35
